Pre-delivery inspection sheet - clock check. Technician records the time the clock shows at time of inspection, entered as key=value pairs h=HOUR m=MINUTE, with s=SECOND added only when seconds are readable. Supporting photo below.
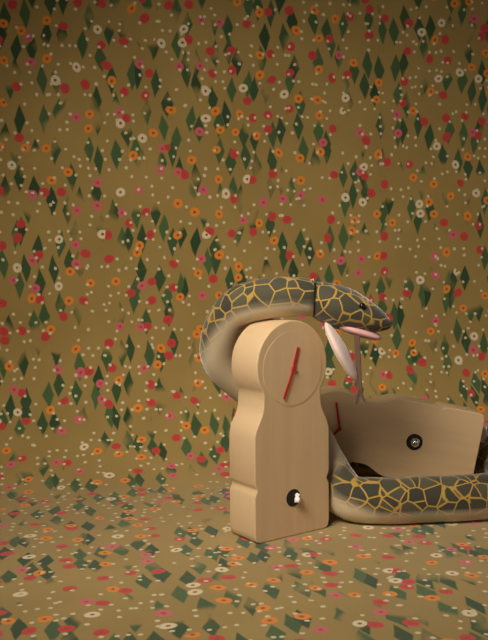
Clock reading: h=12 m=34
